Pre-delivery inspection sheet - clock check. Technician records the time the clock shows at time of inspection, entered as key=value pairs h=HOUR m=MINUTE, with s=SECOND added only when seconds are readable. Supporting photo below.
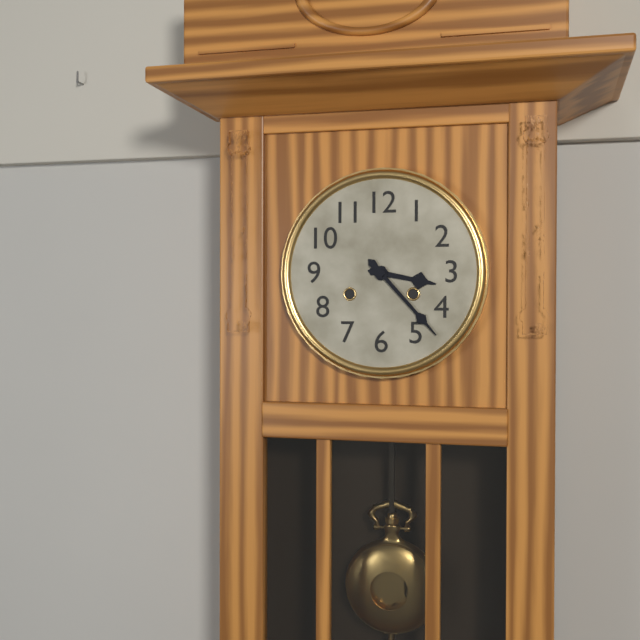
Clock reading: h=3 m=23
